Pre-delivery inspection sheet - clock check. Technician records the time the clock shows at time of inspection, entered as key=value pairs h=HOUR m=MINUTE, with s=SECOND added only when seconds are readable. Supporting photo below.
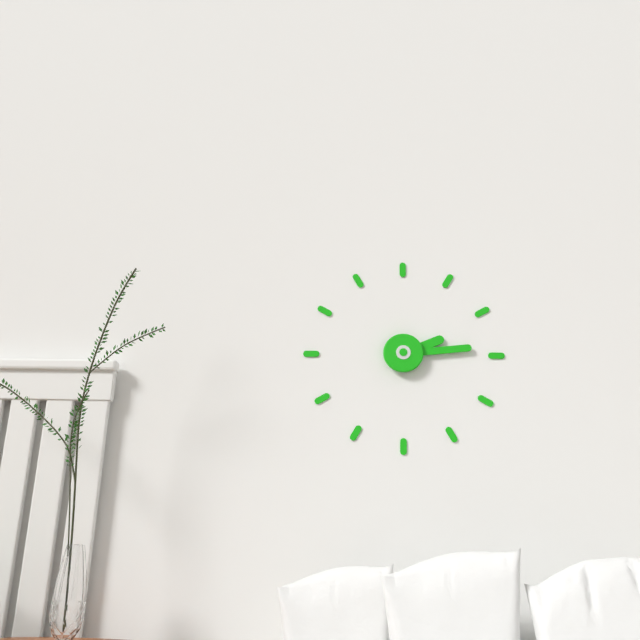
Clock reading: h=2 m=14
